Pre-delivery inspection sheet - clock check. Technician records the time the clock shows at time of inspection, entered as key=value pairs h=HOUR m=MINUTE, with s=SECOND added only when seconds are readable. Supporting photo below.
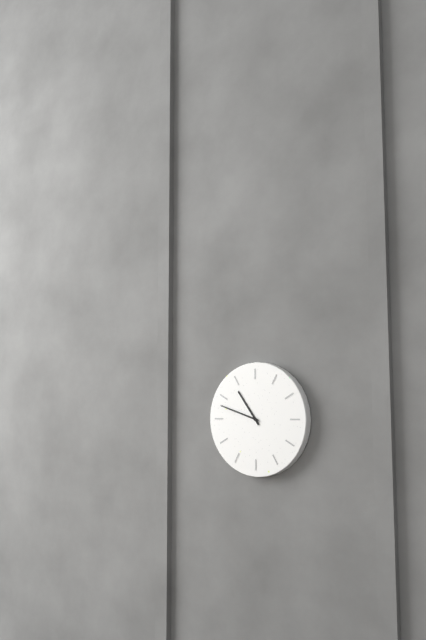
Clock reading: h=10 m=48
